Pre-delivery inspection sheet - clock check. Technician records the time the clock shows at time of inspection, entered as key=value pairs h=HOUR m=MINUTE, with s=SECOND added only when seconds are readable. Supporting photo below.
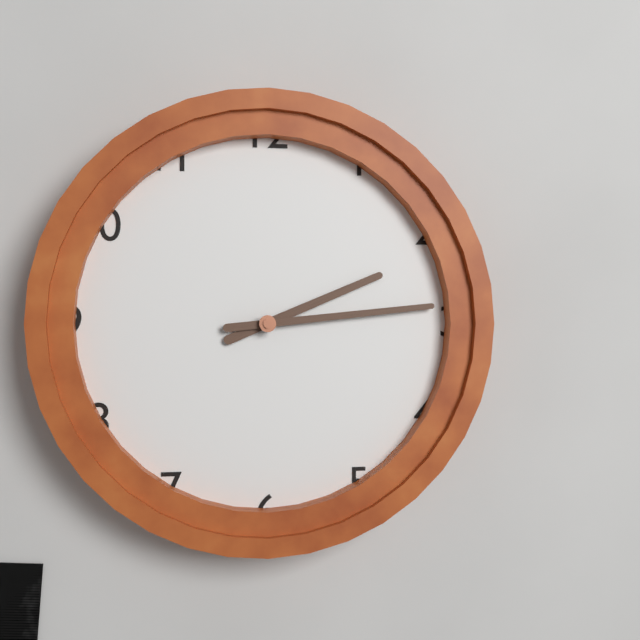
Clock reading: h=2 m=14
